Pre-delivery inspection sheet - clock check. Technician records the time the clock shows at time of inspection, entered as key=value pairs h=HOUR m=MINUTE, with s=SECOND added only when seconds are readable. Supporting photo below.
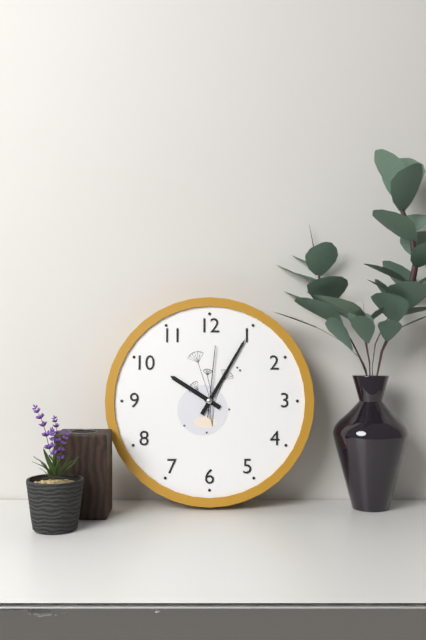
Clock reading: h=10 m=5 s=1
